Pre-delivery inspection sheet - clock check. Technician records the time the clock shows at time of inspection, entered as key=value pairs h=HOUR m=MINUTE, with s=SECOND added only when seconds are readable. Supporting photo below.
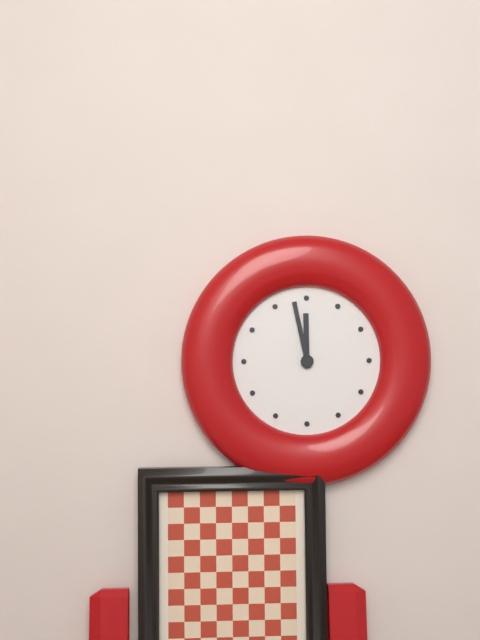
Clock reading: h=11 m=58
